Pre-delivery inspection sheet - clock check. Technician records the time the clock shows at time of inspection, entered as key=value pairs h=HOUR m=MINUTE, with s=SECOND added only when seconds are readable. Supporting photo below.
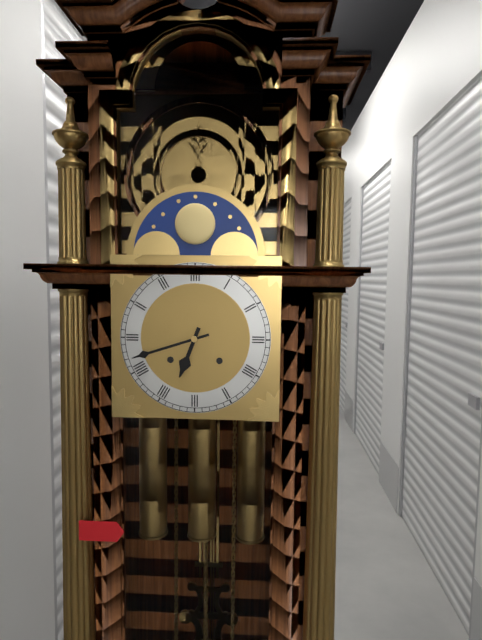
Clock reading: h=6 m=42
